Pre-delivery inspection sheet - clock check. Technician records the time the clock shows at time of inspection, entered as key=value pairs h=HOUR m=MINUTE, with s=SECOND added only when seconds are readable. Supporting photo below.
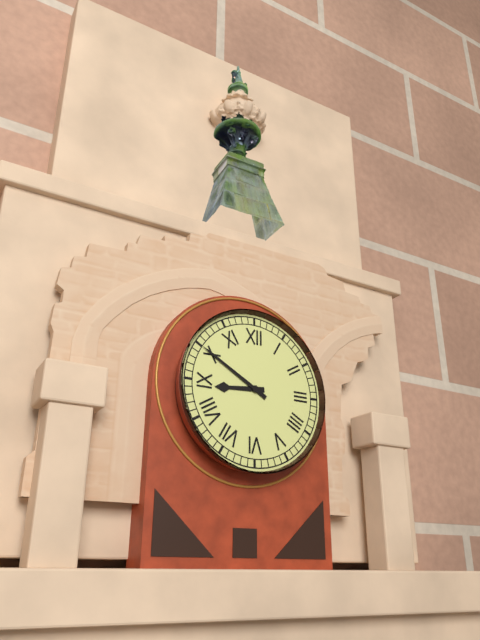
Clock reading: h=8 m=50
